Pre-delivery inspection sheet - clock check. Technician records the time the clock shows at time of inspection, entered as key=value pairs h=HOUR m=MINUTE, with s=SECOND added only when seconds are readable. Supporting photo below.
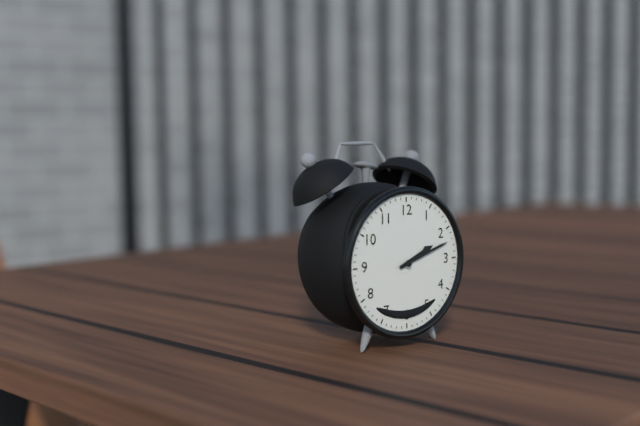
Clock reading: h=2 m=12
